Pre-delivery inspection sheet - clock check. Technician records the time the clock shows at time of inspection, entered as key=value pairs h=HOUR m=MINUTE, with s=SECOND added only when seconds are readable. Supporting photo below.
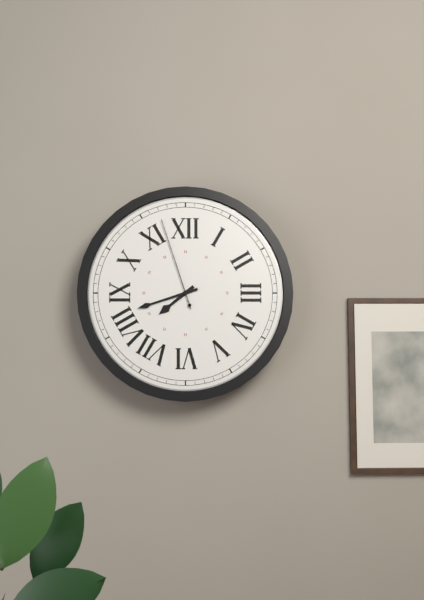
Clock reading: h=7 m=42 s=57
